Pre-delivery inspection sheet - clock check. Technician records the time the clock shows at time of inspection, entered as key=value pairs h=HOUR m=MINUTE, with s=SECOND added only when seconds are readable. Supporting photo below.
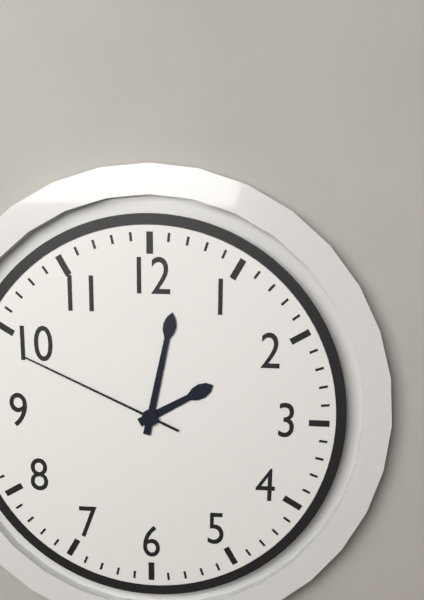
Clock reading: h=2 m=2 s=49
